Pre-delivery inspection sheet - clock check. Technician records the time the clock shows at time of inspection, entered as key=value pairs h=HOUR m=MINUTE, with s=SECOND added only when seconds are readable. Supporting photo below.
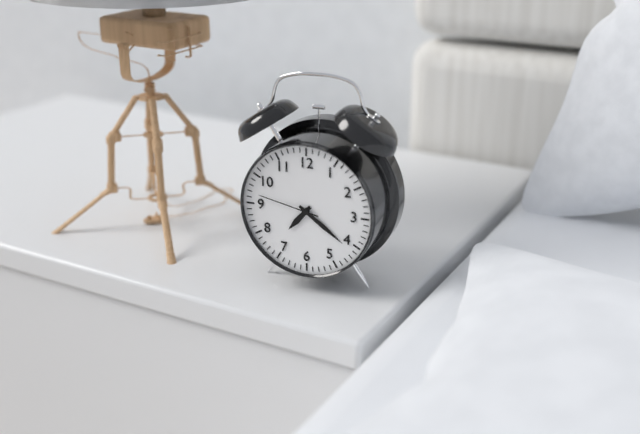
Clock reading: h=7 m=21 s=47
